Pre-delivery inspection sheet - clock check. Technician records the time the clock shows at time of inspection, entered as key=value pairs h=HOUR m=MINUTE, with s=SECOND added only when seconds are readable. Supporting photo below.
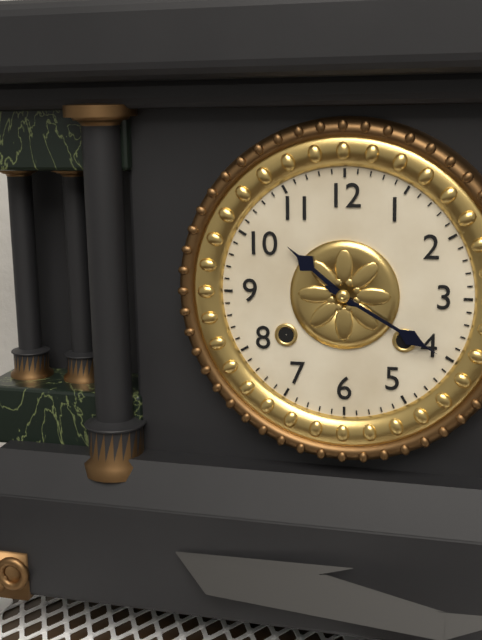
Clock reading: h=10 m=20
